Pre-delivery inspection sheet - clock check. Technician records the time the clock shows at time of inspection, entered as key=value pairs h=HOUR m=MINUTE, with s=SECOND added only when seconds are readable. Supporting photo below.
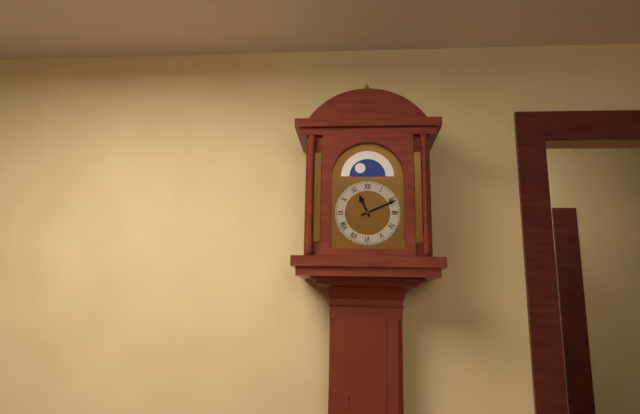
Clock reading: h=11 m=11
